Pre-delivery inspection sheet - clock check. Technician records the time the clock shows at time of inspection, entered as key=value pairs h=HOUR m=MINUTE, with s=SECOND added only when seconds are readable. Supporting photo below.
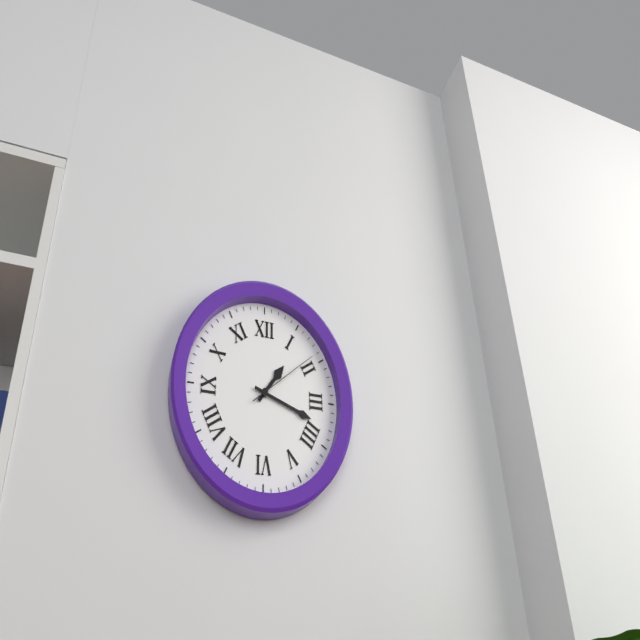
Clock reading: h=1 m=18 s=9
